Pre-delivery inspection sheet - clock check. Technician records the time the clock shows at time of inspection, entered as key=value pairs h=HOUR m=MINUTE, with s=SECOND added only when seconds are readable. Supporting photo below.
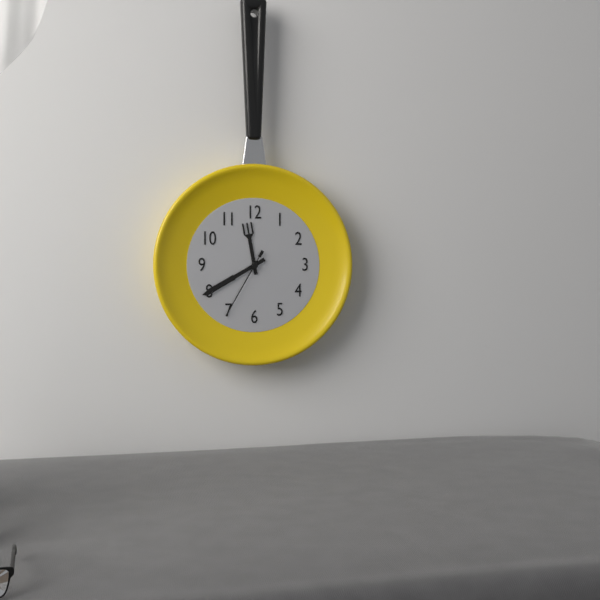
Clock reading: h=11 m=40 s=35
